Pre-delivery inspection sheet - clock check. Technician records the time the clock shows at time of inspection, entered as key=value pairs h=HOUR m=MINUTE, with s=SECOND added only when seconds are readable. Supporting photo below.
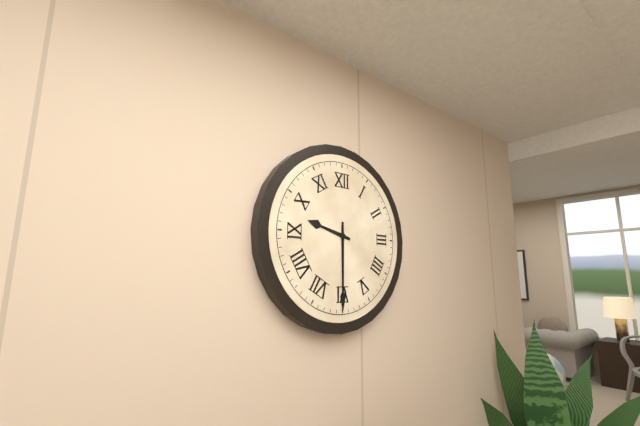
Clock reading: h=9 m=30
